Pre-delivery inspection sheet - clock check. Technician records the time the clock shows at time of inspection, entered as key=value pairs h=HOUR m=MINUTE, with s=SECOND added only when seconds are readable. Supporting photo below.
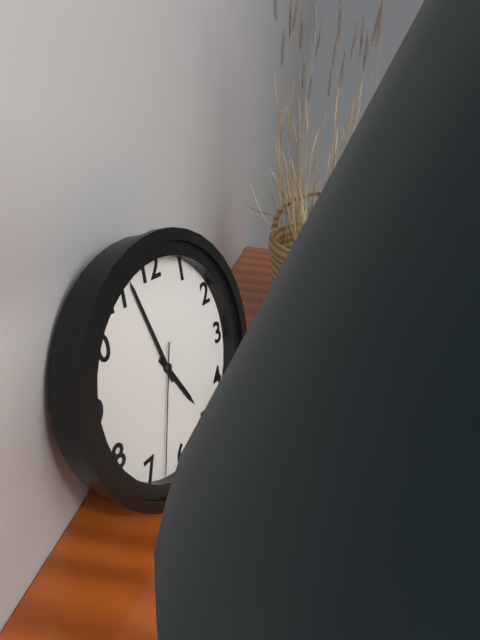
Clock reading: h=4 m=57 s=33
